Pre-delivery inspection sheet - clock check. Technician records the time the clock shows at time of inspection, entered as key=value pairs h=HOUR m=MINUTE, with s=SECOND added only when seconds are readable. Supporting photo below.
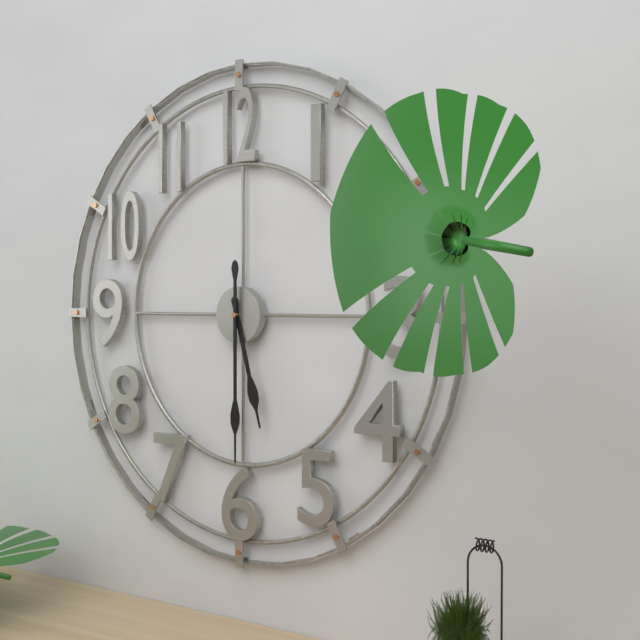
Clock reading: h=5 m=30
